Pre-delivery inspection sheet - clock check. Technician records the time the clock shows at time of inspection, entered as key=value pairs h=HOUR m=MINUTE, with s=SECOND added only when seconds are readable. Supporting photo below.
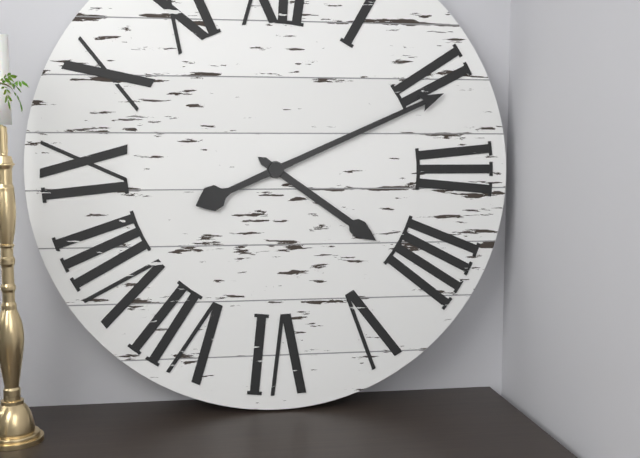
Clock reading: h=4 m=11
